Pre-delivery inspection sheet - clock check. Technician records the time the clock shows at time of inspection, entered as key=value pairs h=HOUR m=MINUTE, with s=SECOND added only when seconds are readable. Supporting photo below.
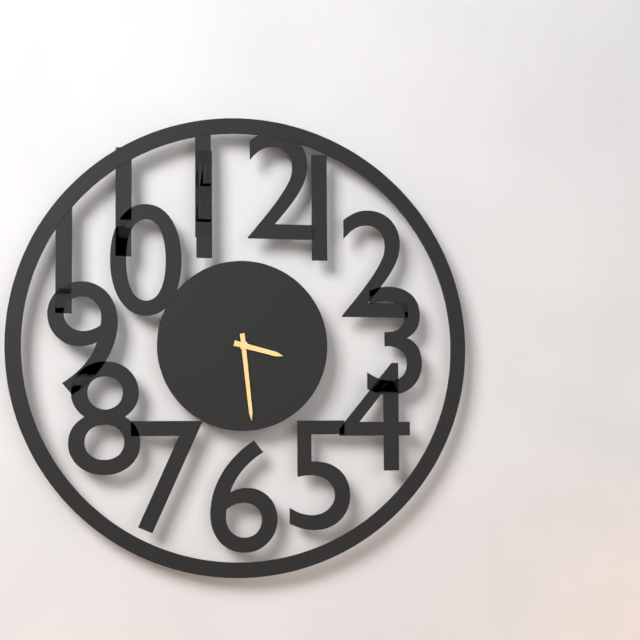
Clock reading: h=3 m=29
